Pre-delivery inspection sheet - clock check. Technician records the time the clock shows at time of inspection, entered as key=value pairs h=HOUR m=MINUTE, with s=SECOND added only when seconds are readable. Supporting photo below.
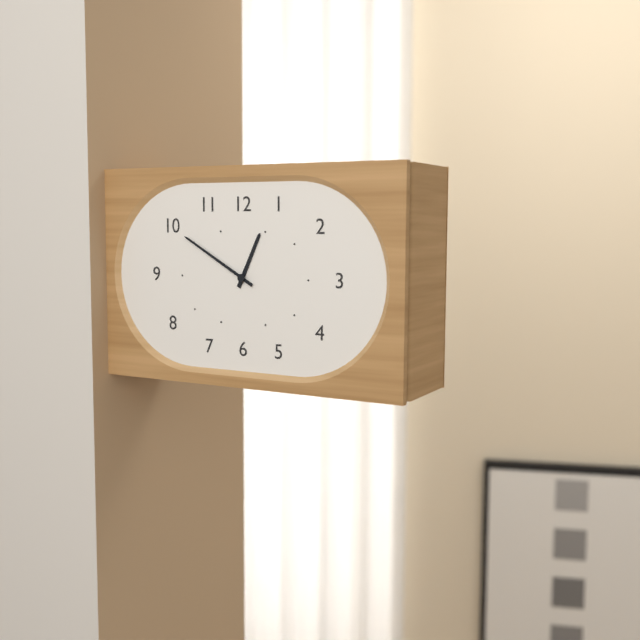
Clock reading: h=12 m=50
